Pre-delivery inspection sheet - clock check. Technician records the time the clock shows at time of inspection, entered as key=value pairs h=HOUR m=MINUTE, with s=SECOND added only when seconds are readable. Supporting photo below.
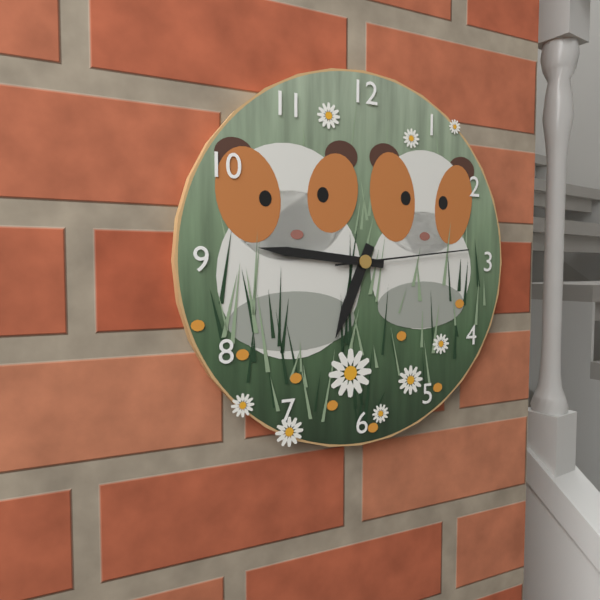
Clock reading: h=6 m=46 s=14
